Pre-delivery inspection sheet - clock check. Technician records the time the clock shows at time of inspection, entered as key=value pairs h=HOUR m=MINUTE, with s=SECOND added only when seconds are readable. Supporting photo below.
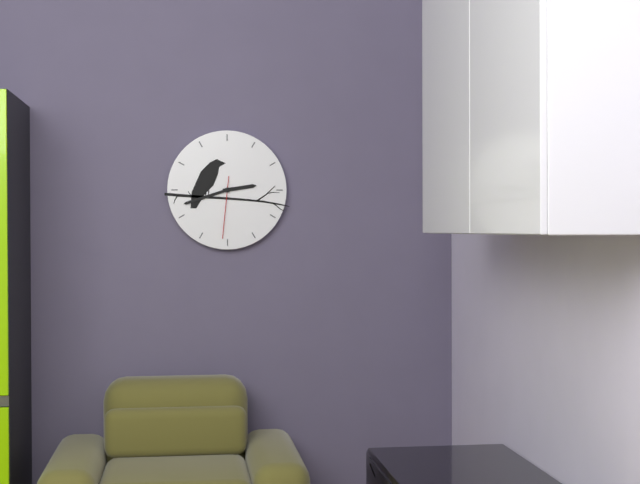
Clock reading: h=2 m=42 s=31
